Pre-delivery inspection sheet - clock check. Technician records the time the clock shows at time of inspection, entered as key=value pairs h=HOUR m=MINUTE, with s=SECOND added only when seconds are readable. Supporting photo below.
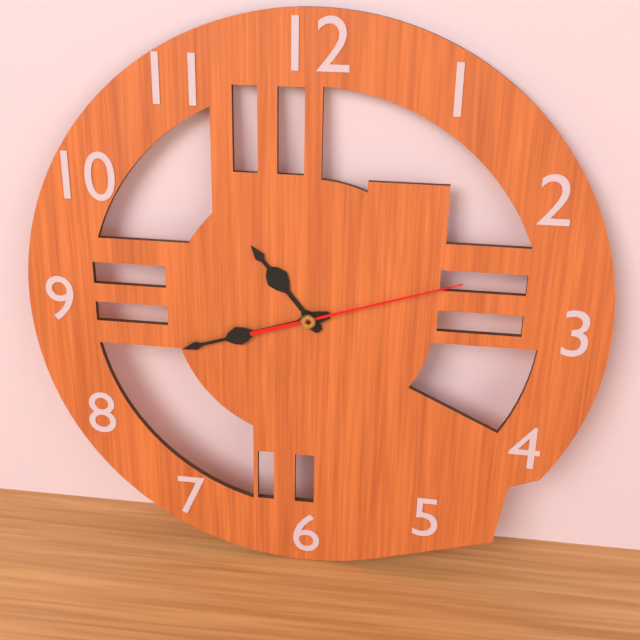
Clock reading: h=10 m=42 s=12
